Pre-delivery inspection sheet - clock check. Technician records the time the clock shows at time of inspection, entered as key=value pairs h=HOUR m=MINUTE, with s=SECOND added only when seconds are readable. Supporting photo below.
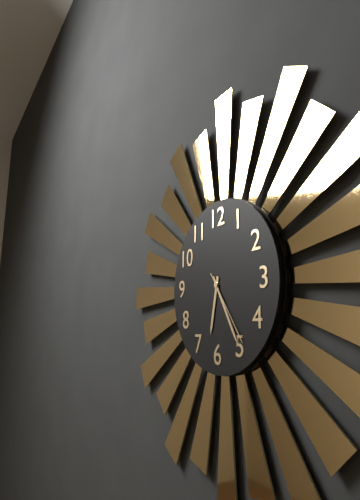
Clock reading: h=6 m=25 s=24
